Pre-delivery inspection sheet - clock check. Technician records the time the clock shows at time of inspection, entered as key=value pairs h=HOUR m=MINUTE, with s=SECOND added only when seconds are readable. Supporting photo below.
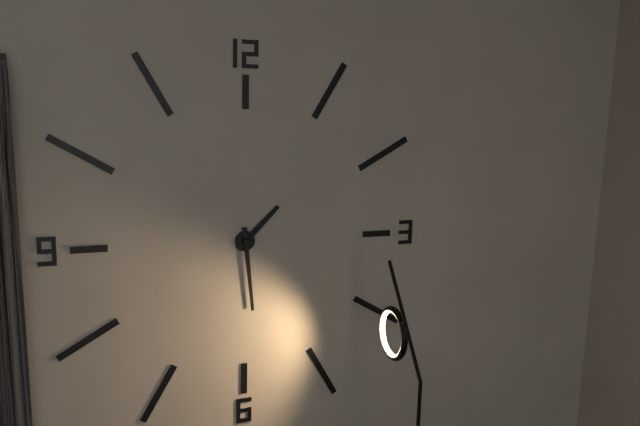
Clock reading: h=1 m=29
